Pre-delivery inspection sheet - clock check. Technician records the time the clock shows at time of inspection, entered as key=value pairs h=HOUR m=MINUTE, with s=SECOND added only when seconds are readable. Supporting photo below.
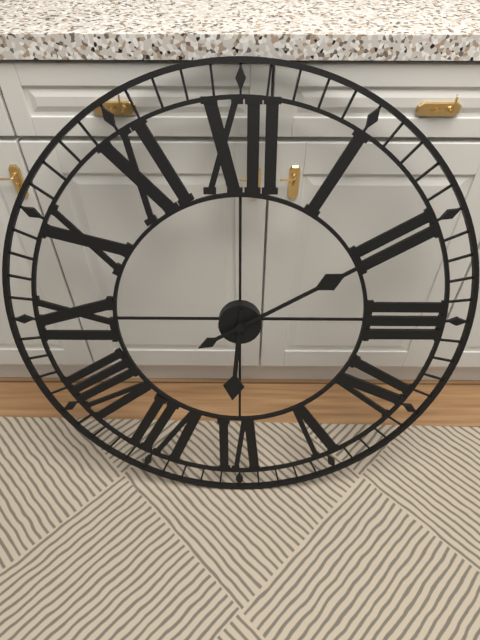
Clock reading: h=6 m=10
